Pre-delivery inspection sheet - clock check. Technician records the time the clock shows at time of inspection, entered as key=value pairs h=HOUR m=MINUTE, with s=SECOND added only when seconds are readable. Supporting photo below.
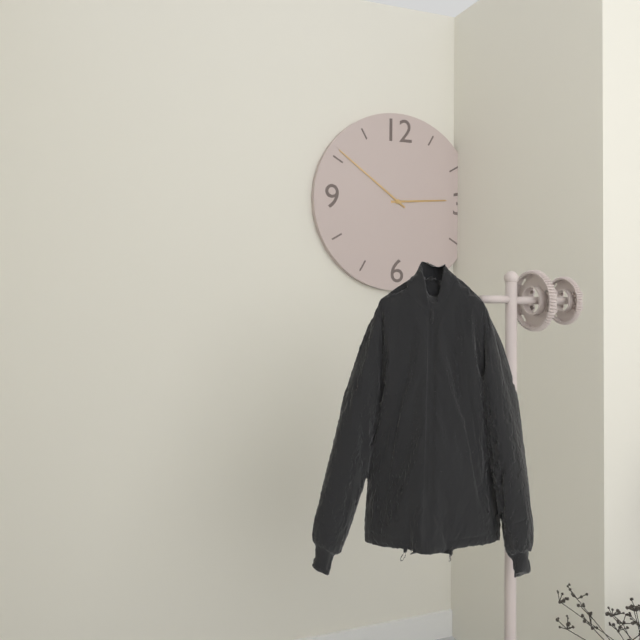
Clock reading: h=2 m=51
